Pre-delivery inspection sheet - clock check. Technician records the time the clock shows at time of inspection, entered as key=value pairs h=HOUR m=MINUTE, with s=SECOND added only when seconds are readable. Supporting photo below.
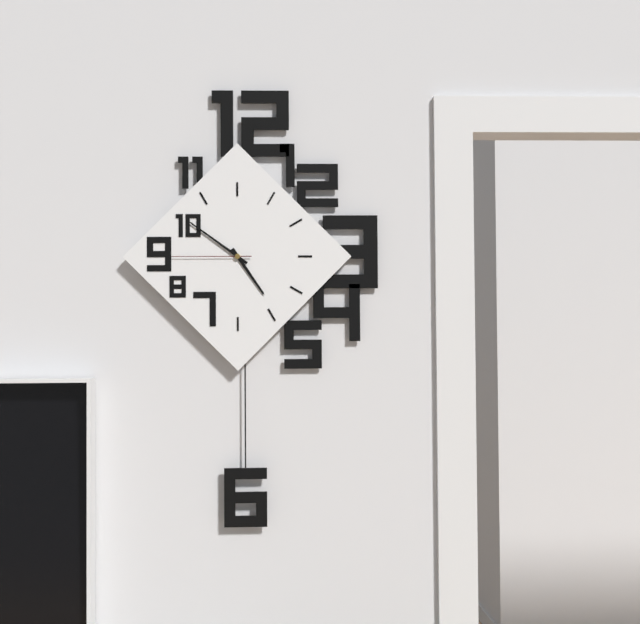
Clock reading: h=4 m=51 s=45
